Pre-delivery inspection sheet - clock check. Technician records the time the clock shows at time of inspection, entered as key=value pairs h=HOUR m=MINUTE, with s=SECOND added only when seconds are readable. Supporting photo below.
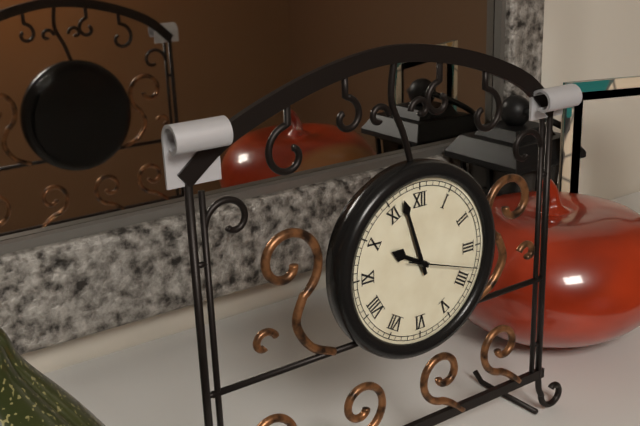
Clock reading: h=9 m=57 s=18
